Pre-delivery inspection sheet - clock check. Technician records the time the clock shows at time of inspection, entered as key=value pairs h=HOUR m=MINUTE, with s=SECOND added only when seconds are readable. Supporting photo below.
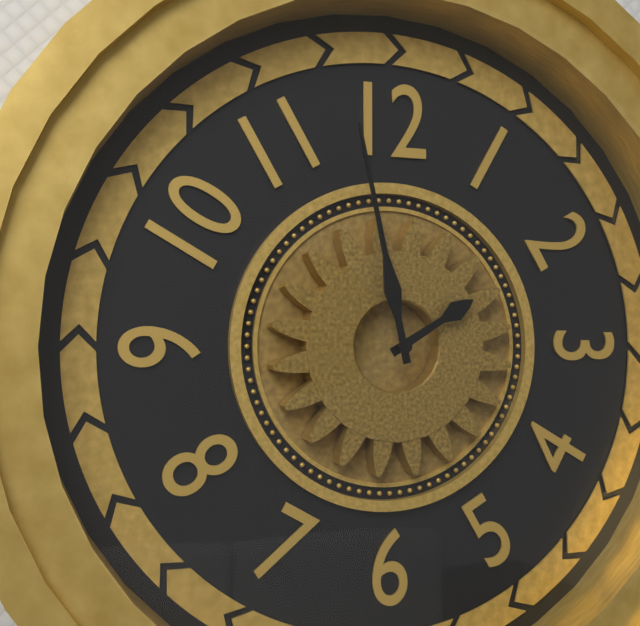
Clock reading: h=1 m=58
